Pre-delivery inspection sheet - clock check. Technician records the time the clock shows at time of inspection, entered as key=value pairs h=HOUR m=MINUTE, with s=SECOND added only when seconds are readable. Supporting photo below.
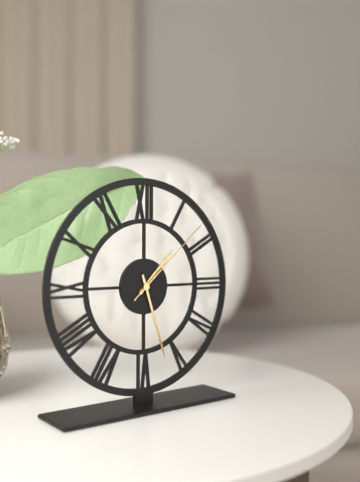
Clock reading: h=1 m=27 s=8
